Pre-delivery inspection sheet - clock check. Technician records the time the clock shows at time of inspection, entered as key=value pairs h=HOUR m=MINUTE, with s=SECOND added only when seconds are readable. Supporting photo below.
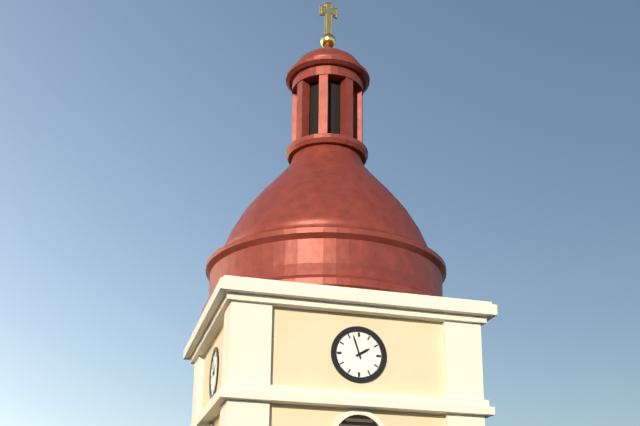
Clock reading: h=1 m=57
